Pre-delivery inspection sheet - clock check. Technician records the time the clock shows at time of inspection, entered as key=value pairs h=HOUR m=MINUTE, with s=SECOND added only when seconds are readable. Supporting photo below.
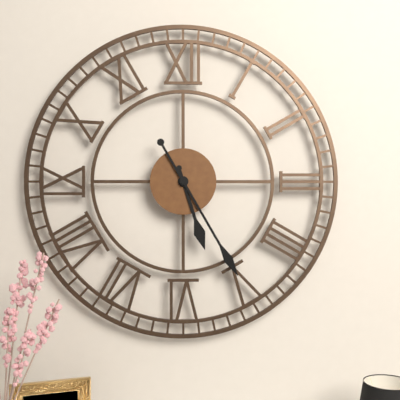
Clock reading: h=5 m=25
